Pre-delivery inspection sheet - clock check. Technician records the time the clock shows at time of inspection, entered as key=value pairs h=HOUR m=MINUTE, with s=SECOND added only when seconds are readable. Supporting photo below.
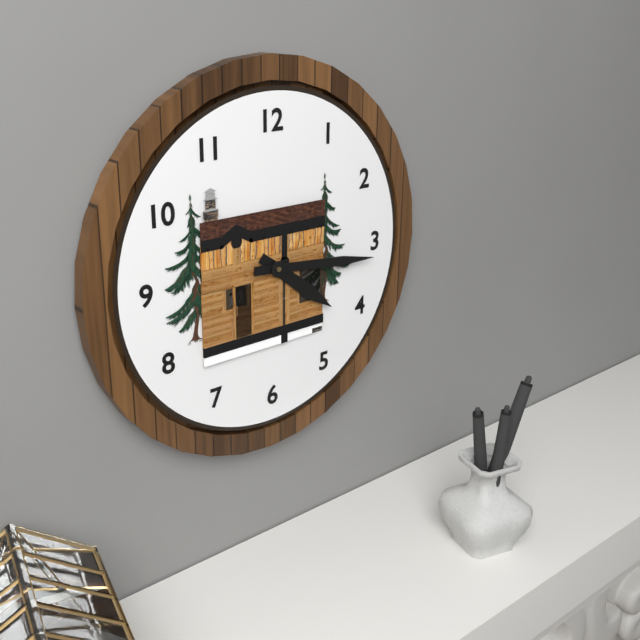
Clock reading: h=4 m=16
